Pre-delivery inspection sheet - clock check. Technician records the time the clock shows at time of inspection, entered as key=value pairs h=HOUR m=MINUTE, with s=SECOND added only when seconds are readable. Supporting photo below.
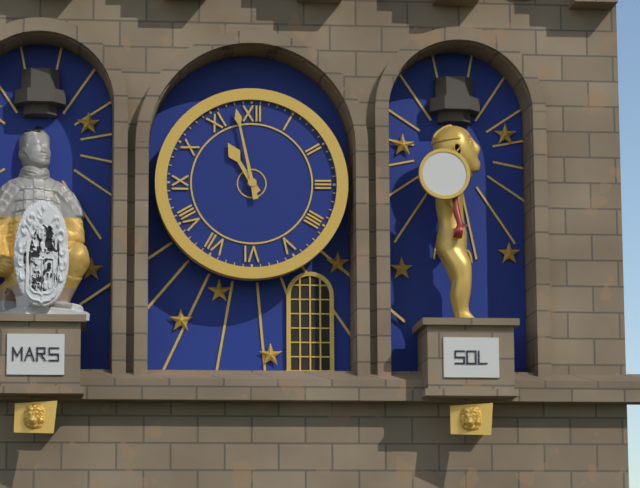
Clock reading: h=10 m=58
